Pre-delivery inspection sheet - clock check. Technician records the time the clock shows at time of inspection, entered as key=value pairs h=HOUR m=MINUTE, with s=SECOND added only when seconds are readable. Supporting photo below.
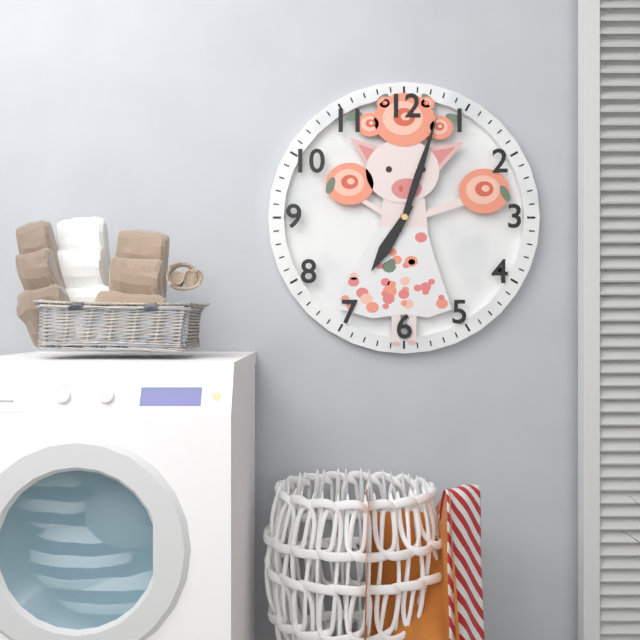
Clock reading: h=7 m=3
